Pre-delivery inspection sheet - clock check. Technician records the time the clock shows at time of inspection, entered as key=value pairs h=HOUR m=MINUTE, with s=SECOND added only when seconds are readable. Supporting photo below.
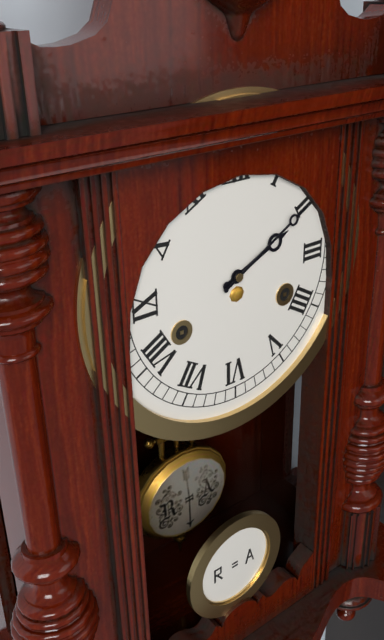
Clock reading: h=2 m=10
